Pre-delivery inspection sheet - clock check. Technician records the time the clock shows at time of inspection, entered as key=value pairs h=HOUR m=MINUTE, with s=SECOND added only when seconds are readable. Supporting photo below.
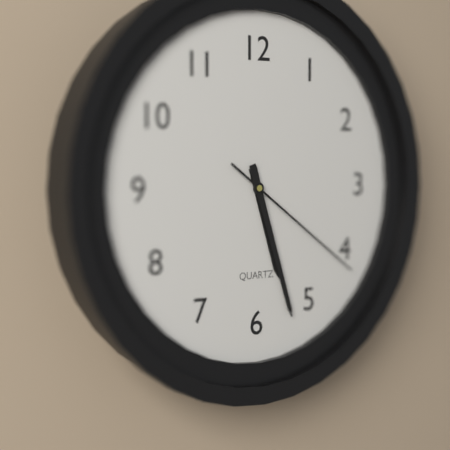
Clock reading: h=5 m=27 s=21
